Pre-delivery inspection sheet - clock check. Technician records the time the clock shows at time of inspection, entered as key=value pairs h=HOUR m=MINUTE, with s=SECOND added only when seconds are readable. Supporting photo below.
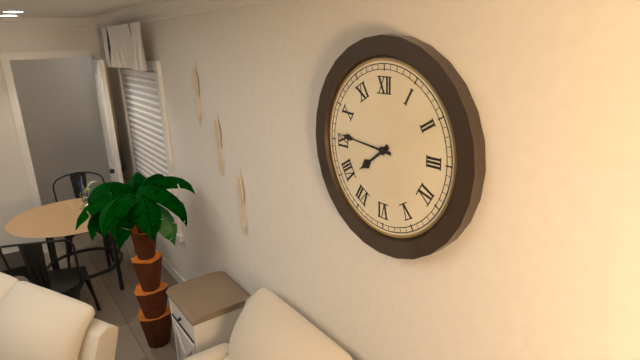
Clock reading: h=7 m=46
